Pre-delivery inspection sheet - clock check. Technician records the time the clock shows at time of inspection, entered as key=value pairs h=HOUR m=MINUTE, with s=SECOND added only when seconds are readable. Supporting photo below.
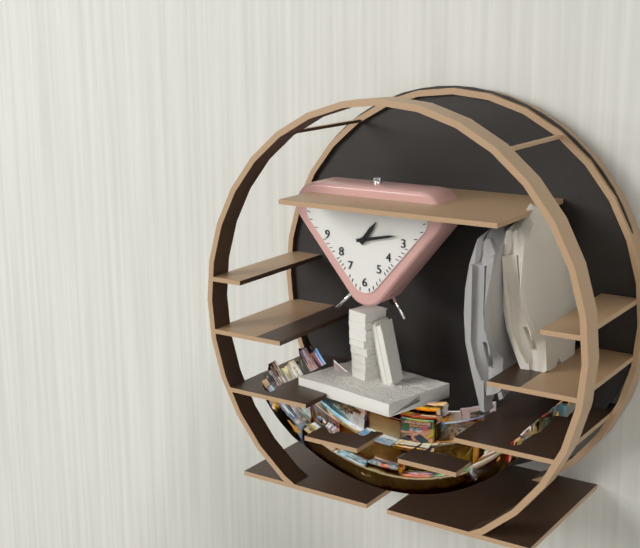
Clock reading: h=1 m=13
